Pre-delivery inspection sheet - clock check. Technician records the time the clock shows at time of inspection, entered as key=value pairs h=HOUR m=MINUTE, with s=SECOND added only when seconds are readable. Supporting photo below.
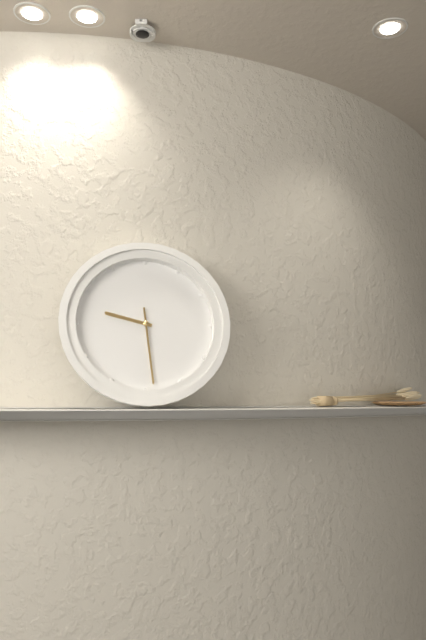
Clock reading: h=9 m=29
